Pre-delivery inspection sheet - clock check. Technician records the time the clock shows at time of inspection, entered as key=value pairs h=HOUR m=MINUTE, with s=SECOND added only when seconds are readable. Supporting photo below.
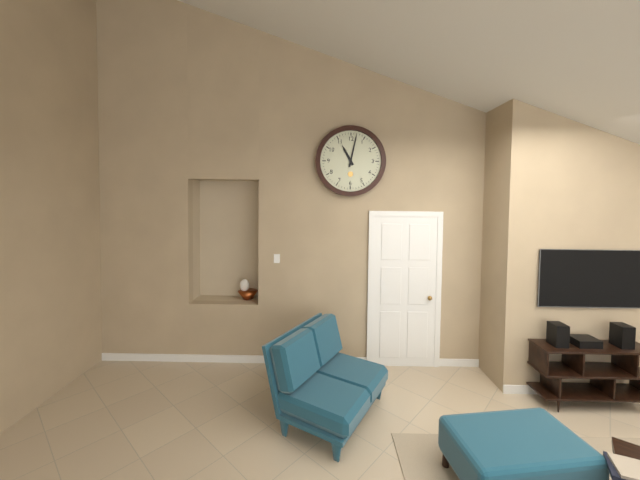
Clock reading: h=11 m=2
